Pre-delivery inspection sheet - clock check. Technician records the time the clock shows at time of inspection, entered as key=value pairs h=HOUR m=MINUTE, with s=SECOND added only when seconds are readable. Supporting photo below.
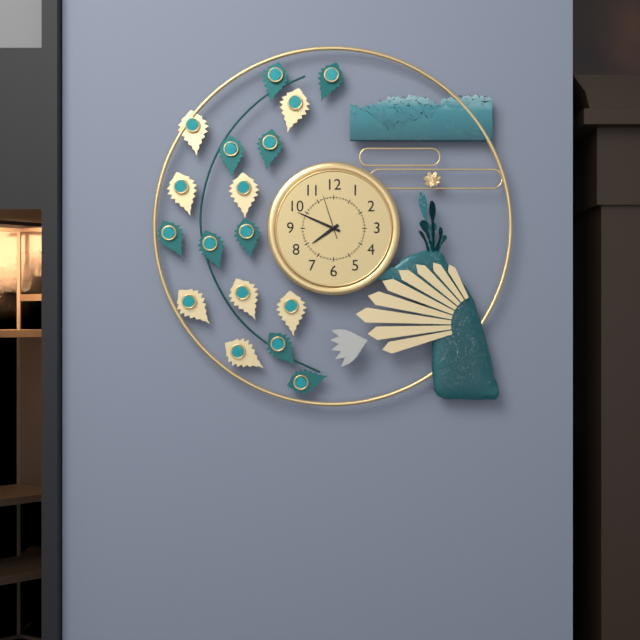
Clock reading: h=7 m=49
